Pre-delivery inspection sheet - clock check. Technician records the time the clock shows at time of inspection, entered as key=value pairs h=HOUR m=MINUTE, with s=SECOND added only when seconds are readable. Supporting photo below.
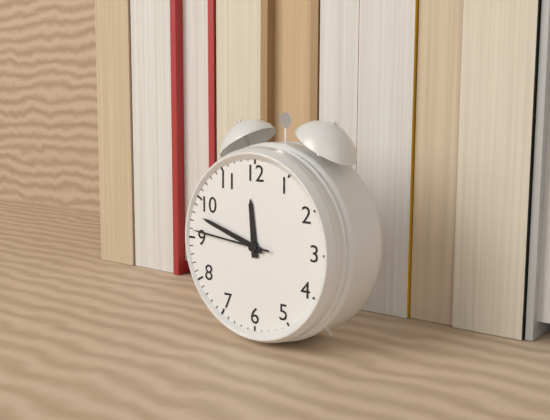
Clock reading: h=11 m=48 s=46
